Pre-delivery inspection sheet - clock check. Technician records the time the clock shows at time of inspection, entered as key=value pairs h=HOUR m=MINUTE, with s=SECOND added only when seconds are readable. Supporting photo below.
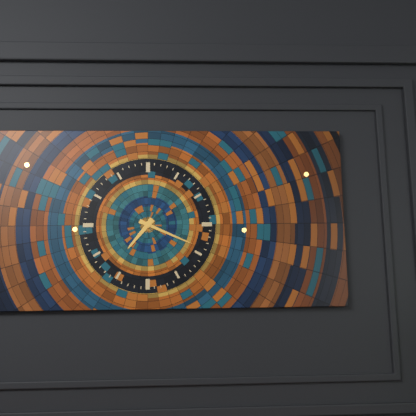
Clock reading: h=7 m=19
